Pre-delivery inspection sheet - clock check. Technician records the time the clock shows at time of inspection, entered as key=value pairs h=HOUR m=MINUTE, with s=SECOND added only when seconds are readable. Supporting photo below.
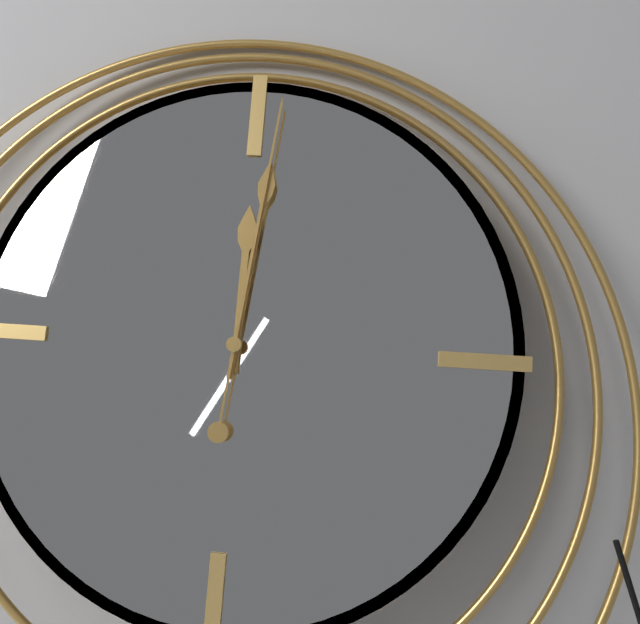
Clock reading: h=12 m=1 s=1
